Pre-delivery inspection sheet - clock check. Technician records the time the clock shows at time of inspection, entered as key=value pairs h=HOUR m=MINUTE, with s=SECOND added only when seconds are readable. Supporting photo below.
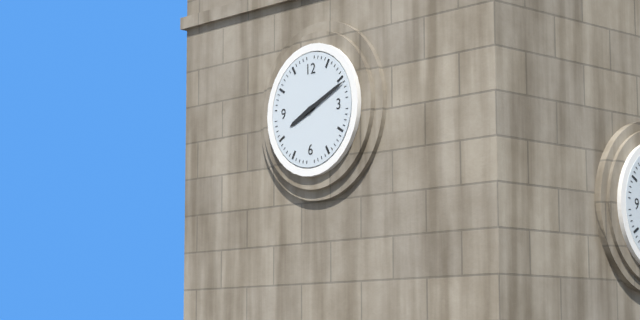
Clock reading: h=8 m=11
